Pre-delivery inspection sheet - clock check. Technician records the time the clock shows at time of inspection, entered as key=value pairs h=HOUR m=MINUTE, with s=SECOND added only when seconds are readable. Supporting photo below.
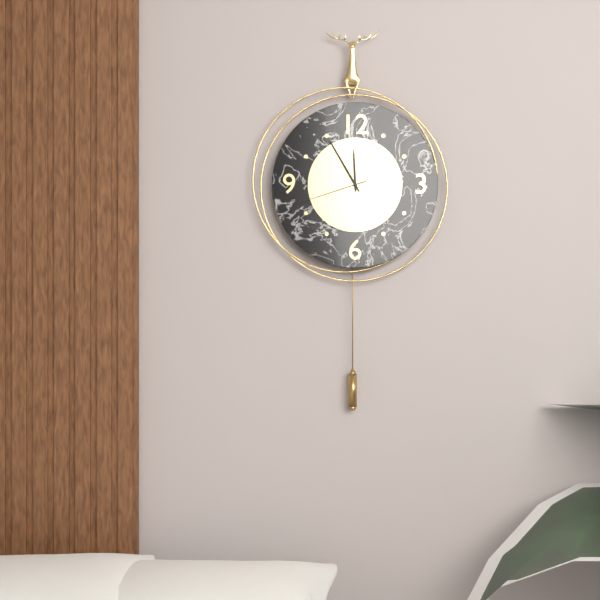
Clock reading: h=11 m=55 s=42
